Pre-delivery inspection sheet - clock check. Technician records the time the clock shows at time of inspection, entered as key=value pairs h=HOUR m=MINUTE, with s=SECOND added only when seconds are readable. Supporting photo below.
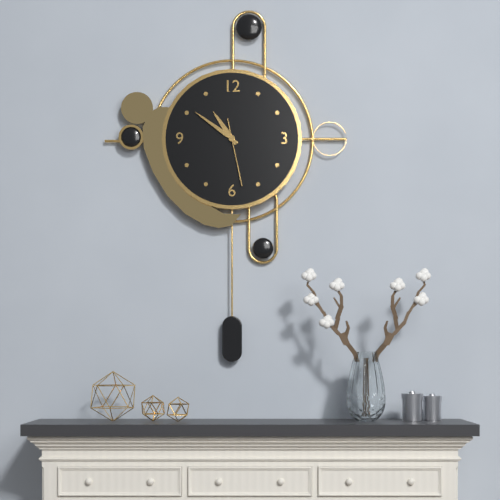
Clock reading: h=10 m=51 s=28
